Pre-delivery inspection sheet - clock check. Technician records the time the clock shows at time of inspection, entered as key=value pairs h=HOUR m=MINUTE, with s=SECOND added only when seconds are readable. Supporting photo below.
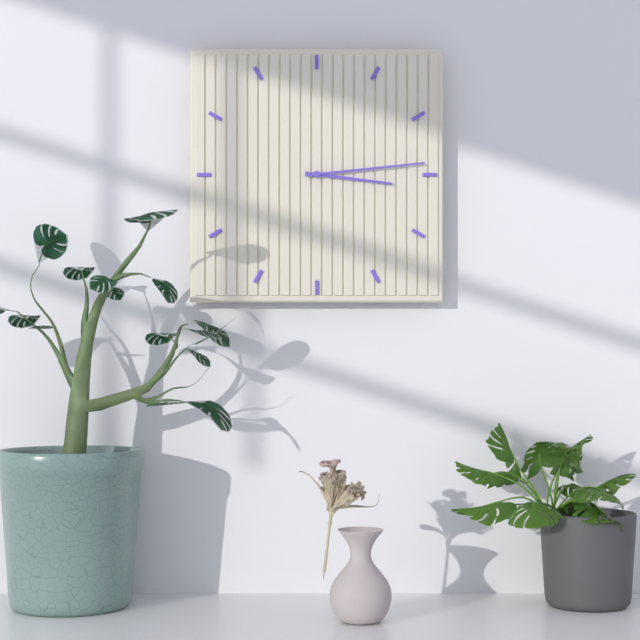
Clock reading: h=3 m=14
